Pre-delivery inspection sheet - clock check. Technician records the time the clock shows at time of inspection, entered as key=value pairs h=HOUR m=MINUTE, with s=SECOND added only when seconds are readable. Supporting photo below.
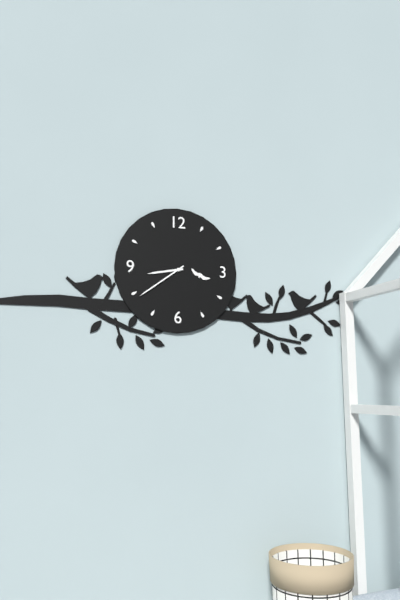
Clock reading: h=8 m=39
